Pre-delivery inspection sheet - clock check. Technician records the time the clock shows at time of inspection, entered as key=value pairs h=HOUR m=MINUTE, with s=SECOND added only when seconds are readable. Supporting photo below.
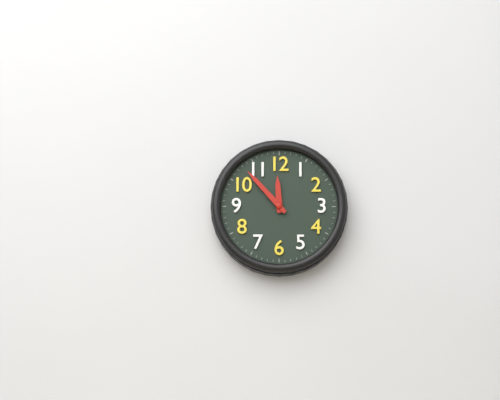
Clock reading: h=11 m=53
